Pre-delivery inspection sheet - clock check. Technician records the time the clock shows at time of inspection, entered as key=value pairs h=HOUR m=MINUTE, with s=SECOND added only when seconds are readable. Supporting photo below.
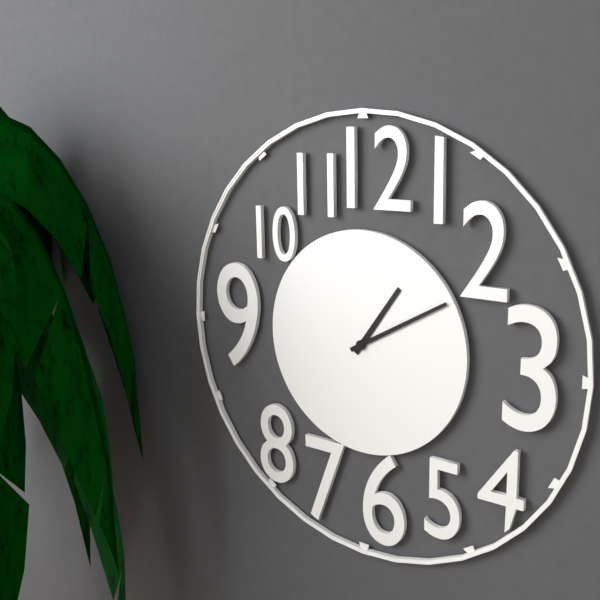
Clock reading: h=1 m=10
